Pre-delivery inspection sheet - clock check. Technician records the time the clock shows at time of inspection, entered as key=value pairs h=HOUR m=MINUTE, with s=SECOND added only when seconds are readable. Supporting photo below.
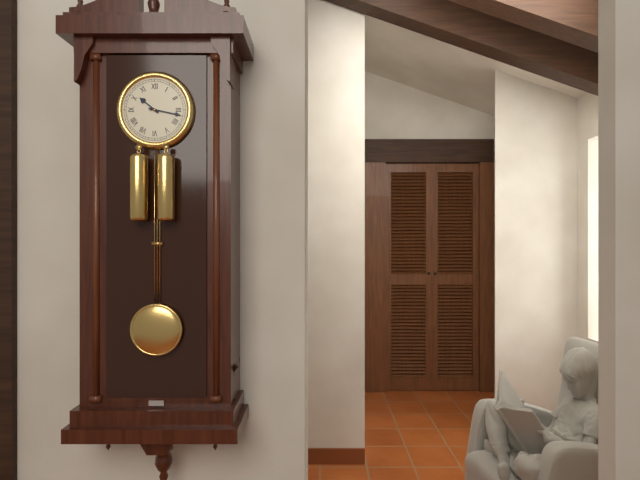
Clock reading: h=10 m=17
